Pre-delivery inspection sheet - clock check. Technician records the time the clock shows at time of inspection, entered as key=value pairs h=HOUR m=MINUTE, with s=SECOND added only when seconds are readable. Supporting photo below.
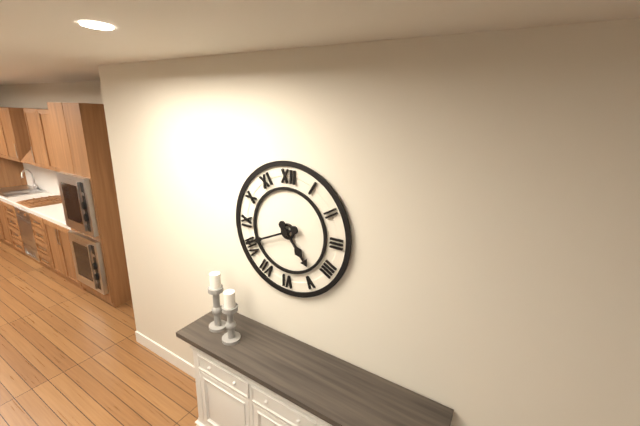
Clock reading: h=4 m=41
